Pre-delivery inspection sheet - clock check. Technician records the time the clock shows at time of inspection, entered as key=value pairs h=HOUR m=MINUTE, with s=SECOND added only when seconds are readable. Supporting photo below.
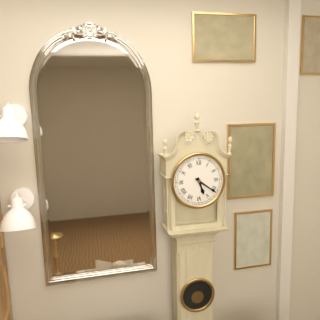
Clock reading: h=5 m=21
